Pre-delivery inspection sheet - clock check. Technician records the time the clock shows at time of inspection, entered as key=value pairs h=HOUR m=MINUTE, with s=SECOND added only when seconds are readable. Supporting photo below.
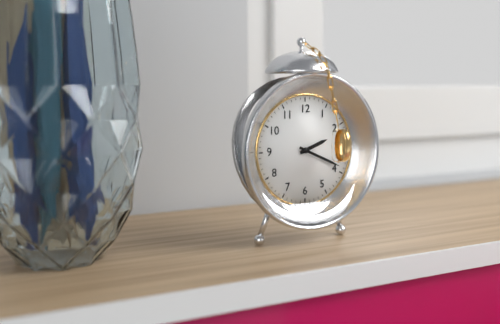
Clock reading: h=2 m=19
